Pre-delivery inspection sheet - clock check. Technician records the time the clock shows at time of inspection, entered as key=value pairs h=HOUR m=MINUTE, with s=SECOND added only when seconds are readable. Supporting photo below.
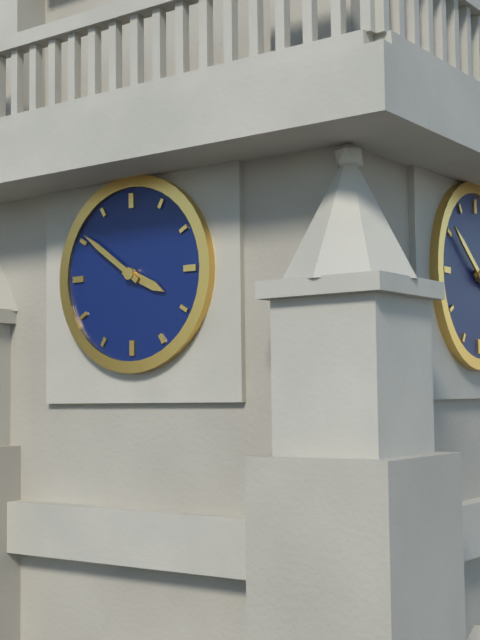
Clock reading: h=3 m=51
